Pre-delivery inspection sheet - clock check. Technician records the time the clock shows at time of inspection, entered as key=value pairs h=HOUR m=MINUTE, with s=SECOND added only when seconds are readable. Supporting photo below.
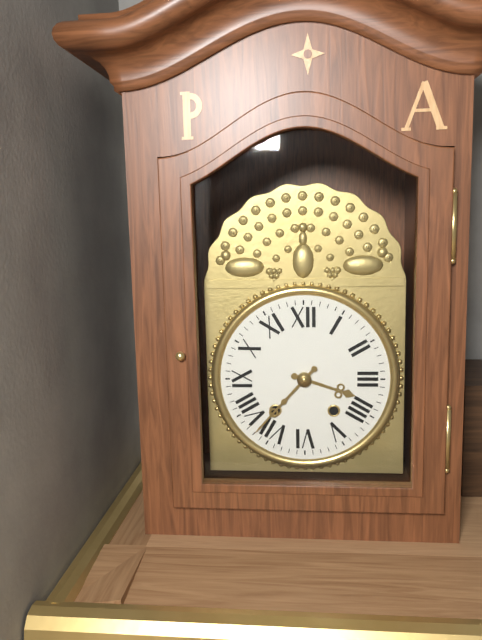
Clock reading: h=3 m=37
